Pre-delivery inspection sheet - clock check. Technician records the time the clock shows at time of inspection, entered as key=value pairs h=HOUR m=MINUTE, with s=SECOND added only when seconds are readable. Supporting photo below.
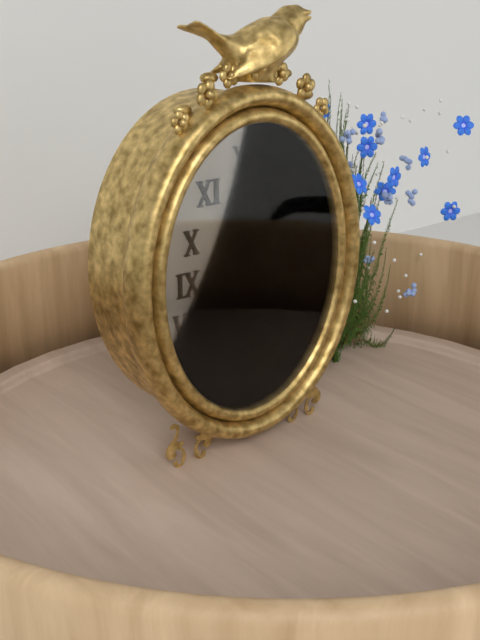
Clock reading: h=5 m=7 s=23
